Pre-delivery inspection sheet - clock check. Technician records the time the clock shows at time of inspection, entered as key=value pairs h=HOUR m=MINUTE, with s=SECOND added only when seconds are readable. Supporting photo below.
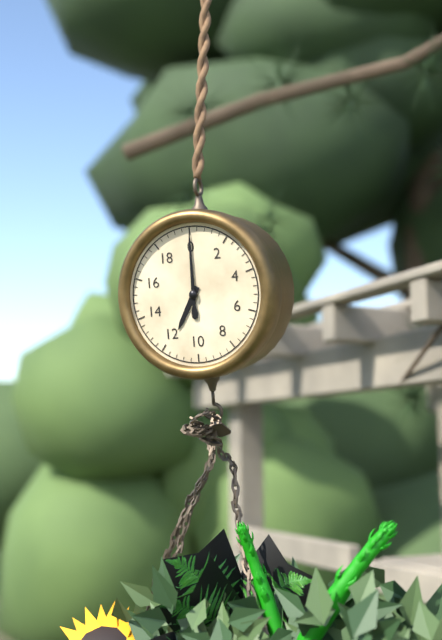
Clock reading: h=7 m=0
